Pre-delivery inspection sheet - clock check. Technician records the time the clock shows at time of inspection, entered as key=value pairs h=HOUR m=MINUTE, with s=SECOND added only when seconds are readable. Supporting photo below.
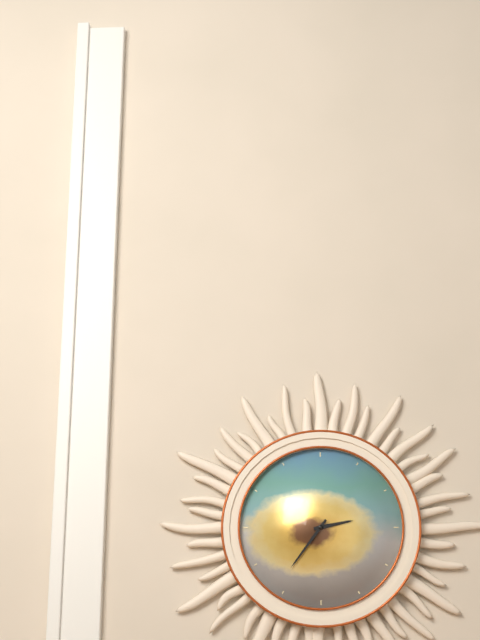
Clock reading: h=2 m=36
